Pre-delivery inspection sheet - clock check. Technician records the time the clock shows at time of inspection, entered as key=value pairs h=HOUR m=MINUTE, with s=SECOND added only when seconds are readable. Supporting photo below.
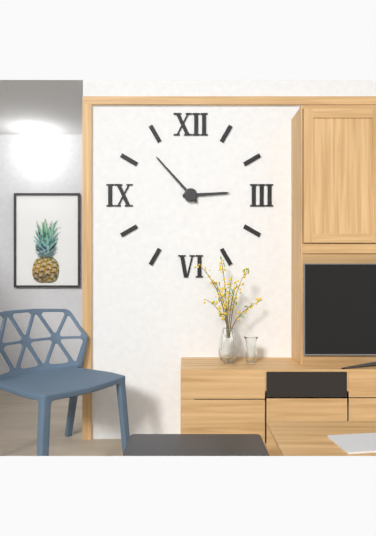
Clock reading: h=2 m=53
